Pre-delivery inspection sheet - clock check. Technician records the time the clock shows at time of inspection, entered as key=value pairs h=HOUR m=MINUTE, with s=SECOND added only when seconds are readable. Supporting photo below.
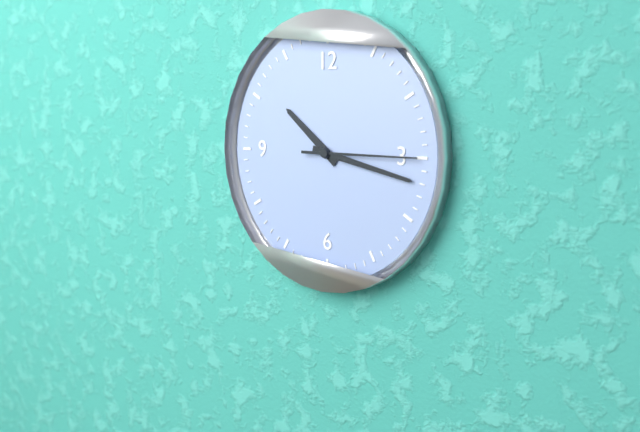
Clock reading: h=10 m=17 s=15
